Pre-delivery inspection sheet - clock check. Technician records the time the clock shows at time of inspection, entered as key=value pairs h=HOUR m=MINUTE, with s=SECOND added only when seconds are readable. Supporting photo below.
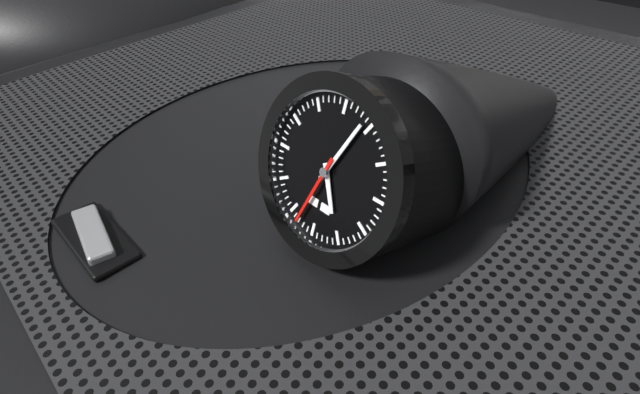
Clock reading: h=5 m=4 s=33
